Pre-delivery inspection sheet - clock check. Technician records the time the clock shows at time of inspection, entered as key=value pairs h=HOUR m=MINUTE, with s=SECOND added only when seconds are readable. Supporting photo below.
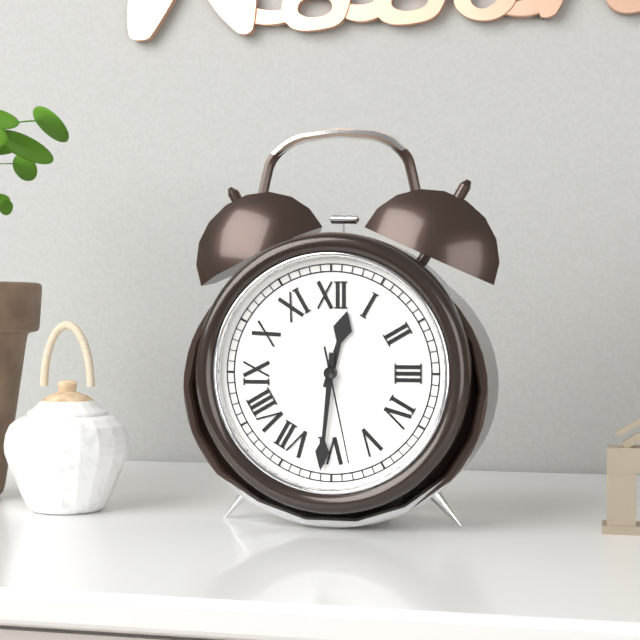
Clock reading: h=12 m=31 s=28
